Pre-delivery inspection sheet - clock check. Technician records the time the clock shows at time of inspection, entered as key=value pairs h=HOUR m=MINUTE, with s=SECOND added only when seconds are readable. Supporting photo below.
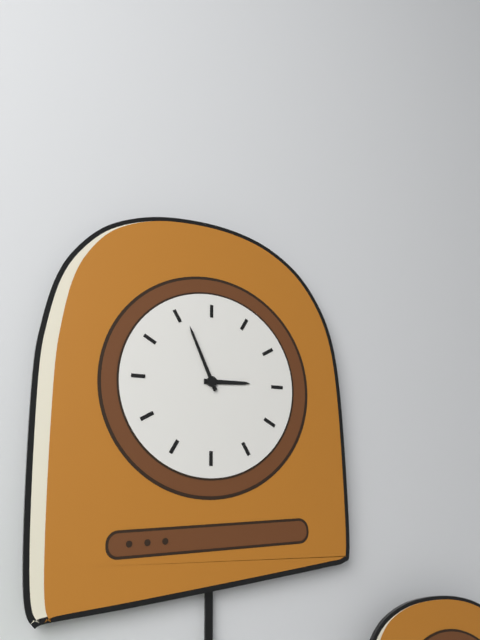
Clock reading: h=2 m=56
